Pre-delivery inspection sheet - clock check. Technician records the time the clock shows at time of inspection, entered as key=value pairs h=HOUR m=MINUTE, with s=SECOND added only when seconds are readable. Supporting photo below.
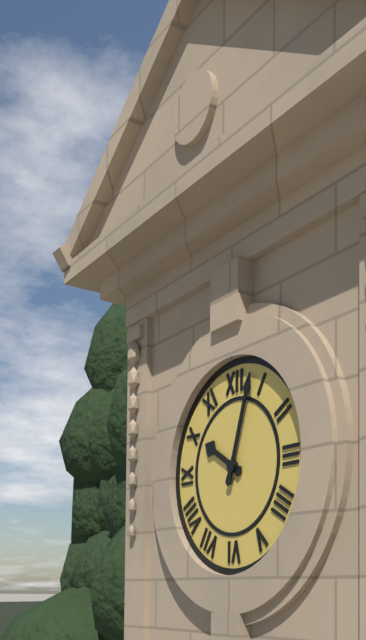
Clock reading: h=10 m=3
